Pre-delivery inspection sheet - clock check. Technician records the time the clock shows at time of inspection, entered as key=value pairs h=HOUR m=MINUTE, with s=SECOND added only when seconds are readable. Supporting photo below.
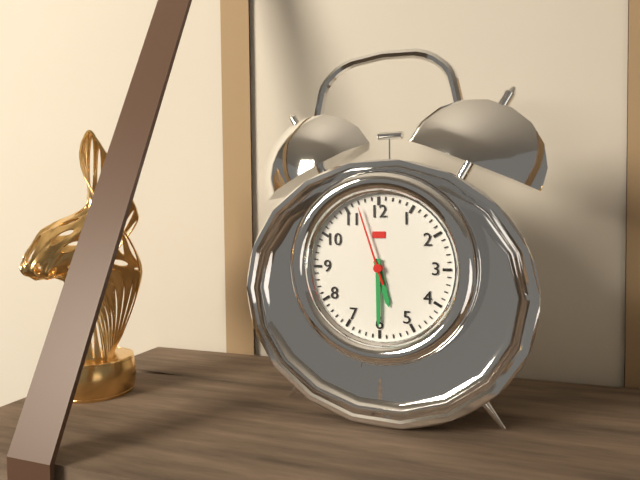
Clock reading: h=5 m=30 s=57
